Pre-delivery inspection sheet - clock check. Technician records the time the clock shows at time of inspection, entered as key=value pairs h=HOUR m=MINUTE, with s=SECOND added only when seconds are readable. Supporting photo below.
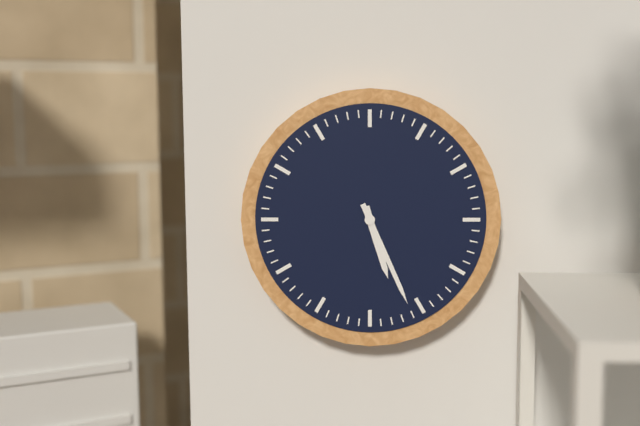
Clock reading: h=5 m=26
